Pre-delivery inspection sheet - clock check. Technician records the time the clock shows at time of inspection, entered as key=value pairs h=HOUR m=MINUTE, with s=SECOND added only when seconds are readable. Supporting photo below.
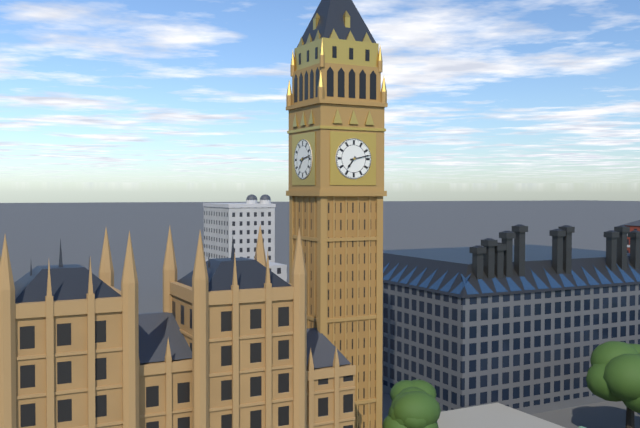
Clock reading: h=7 m=13
